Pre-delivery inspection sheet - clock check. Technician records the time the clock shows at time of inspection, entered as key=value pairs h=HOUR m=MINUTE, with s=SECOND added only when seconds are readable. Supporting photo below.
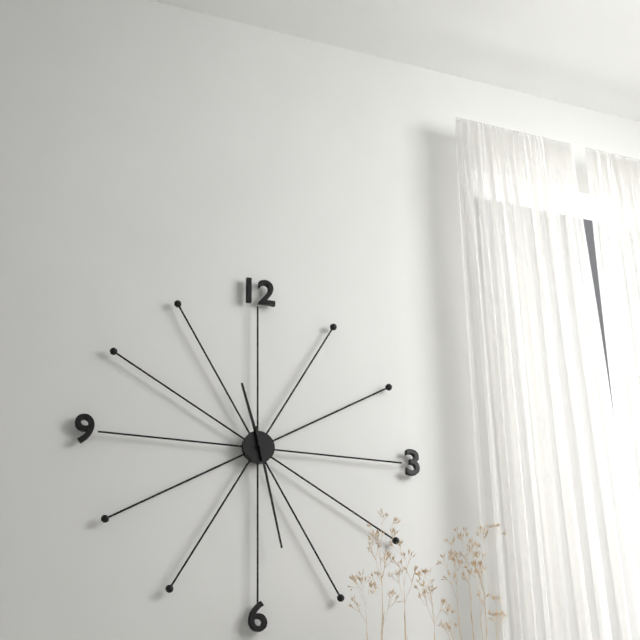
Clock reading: h=11 m=28
